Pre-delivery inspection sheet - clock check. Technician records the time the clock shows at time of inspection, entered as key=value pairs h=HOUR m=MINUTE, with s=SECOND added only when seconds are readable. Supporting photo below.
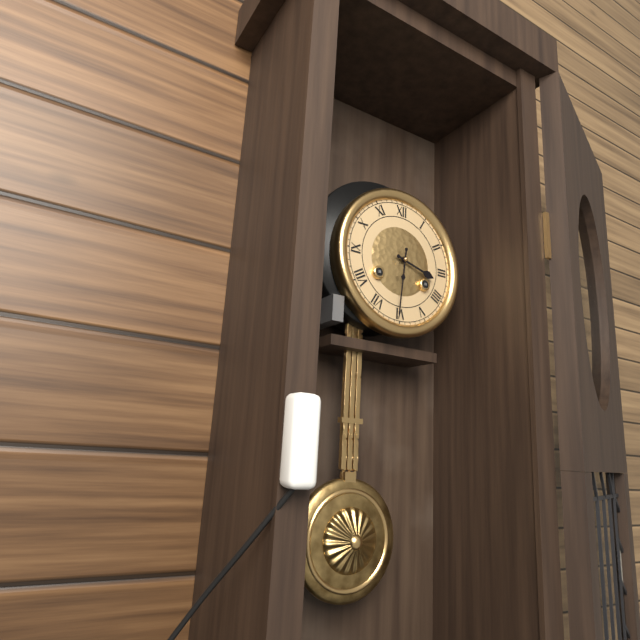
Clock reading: h=3 m=31
